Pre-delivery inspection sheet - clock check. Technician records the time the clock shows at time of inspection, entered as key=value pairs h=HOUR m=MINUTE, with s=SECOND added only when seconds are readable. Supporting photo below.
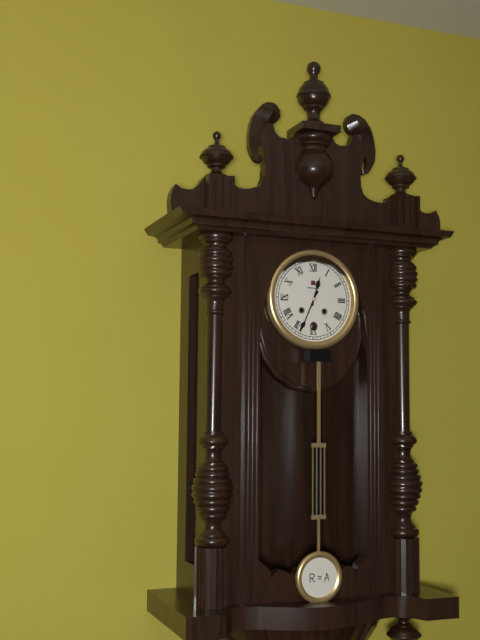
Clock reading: h=12 m=34
